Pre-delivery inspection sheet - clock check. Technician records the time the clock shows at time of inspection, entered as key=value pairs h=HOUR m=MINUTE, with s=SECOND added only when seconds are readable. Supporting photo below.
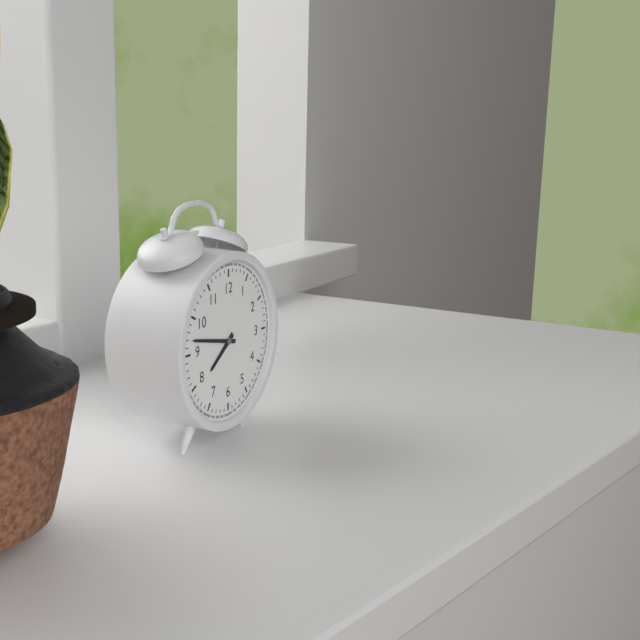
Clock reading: h=7 m=47
